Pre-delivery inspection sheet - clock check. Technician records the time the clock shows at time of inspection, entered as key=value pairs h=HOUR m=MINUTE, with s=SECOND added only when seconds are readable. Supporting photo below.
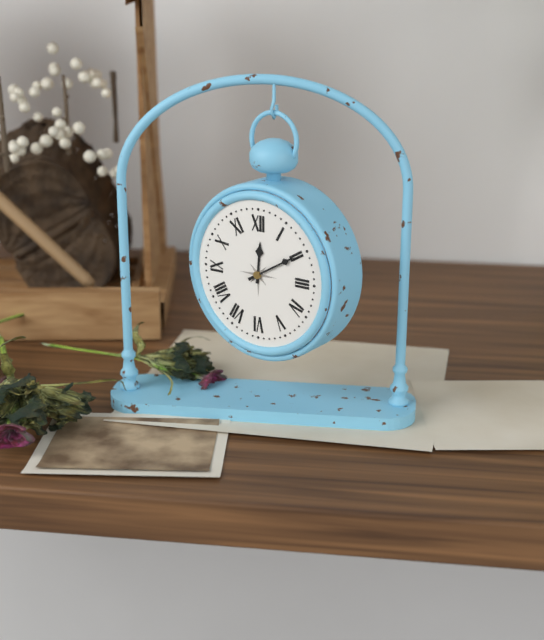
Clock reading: h=12 m=10
